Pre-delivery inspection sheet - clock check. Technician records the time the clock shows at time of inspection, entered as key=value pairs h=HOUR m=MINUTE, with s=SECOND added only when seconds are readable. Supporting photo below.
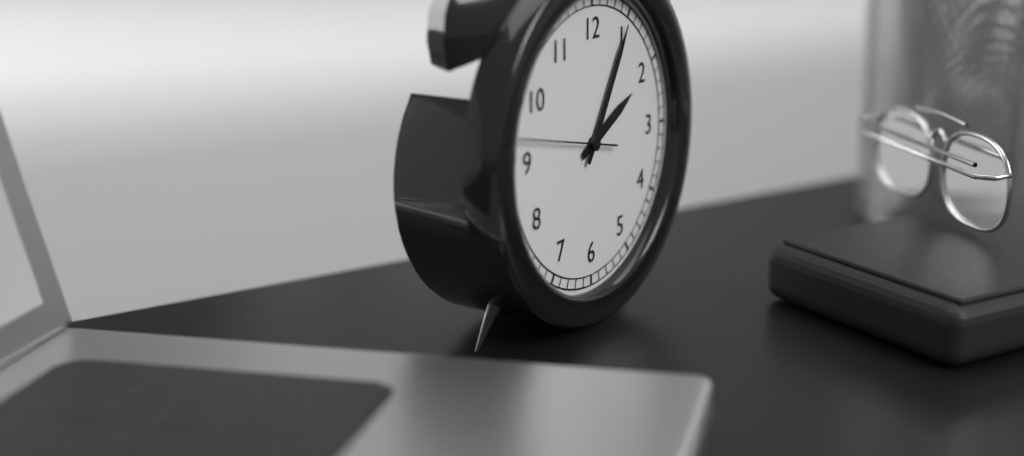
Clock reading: h=2 m=5 s=47
